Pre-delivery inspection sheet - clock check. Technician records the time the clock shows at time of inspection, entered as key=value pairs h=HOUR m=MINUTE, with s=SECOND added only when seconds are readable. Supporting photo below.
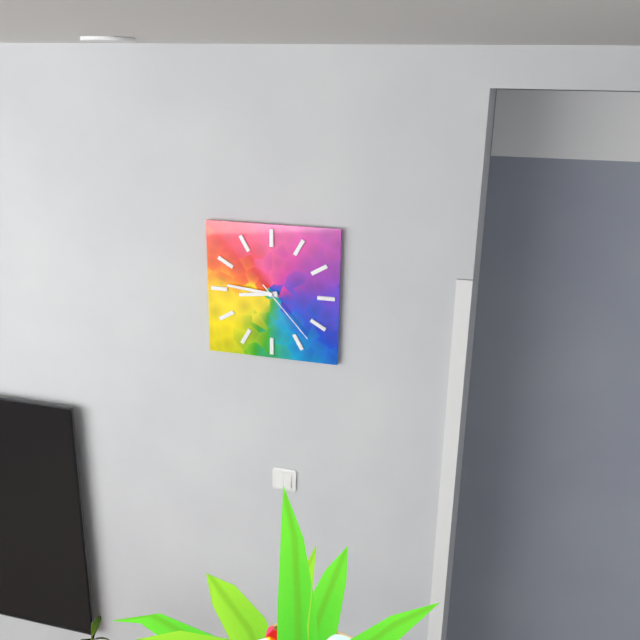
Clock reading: h=8 m=46 s=23
